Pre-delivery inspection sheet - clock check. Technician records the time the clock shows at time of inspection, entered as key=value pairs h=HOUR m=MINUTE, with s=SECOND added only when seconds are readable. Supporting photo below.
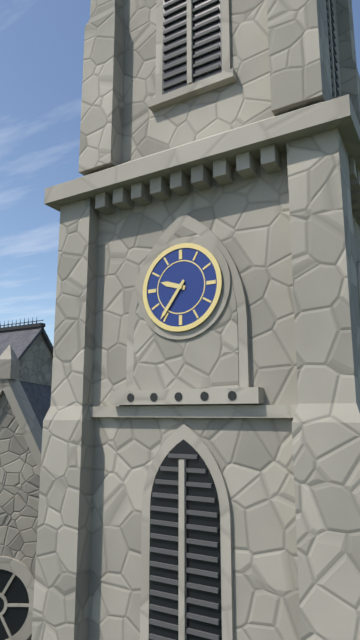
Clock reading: h=9 m=36
